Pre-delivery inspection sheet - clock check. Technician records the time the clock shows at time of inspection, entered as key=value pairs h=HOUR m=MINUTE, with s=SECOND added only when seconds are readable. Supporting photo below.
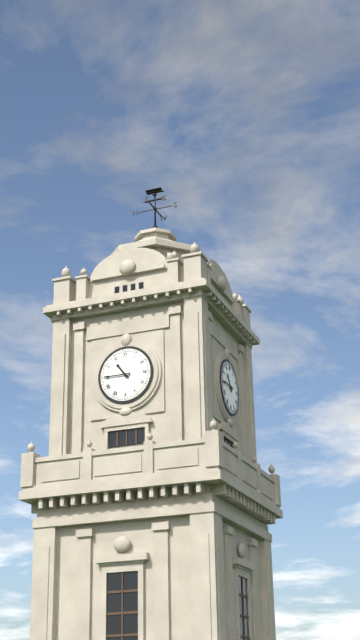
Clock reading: h=10 m=45
